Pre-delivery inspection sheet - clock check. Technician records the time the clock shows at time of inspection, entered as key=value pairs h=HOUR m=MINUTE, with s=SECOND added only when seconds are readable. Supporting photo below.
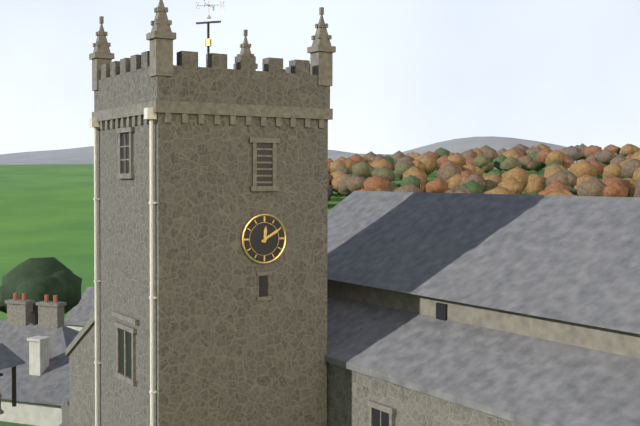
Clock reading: h=12 m=10
